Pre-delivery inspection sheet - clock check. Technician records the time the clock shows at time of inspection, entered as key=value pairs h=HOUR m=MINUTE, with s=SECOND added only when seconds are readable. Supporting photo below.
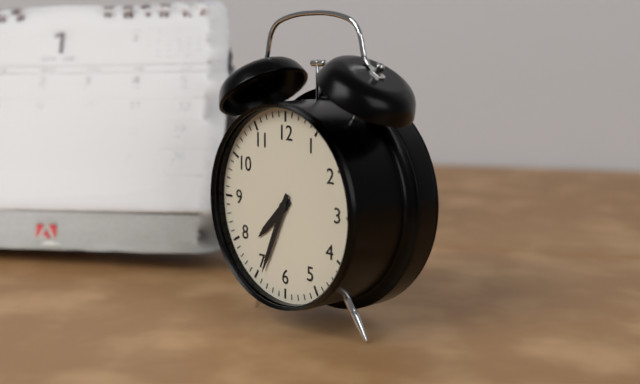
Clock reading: h=7 m=34
